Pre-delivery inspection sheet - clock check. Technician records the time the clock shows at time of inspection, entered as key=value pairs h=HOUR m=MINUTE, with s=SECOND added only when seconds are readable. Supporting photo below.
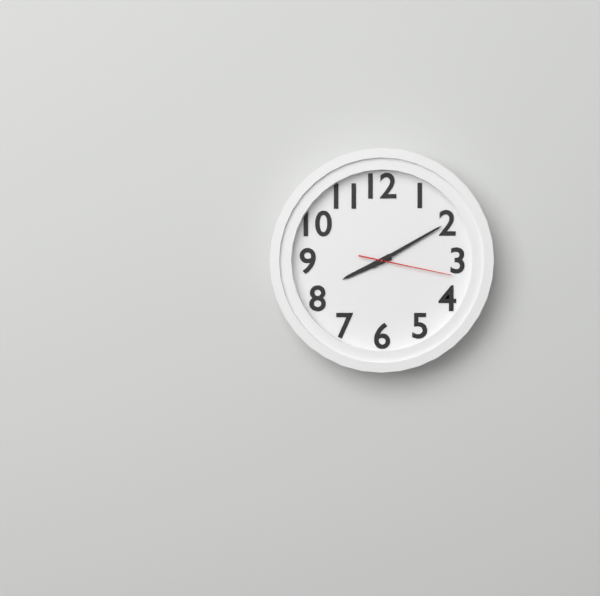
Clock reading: h=8 m=10 s=17
